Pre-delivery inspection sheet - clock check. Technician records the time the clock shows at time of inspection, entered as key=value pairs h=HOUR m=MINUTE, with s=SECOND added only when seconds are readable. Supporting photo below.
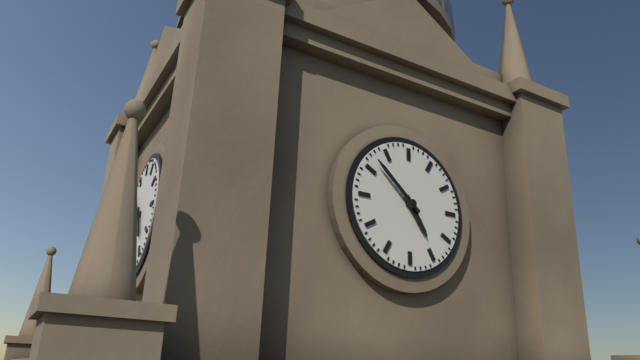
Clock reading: h=4 m=52
